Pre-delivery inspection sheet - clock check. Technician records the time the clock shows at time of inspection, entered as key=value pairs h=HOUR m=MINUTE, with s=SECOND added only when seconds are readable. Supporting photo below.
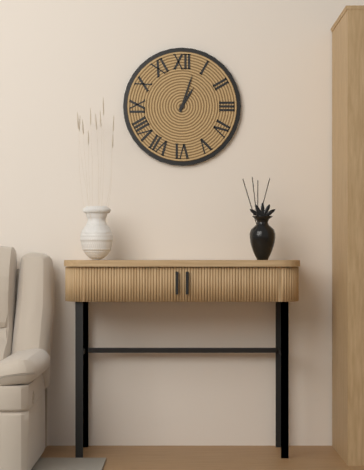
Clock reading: h=1 m=3
